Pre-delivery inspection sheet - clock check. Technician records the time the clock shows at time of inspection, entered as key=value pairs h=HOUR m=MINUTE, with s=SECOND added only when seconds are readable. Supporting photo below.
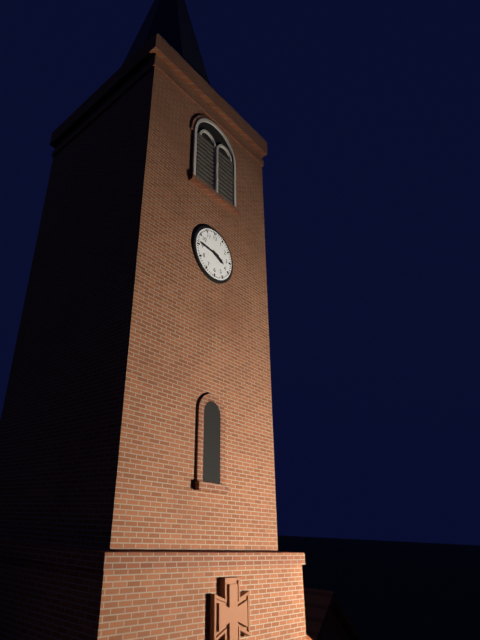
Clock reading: h=3 m=46
